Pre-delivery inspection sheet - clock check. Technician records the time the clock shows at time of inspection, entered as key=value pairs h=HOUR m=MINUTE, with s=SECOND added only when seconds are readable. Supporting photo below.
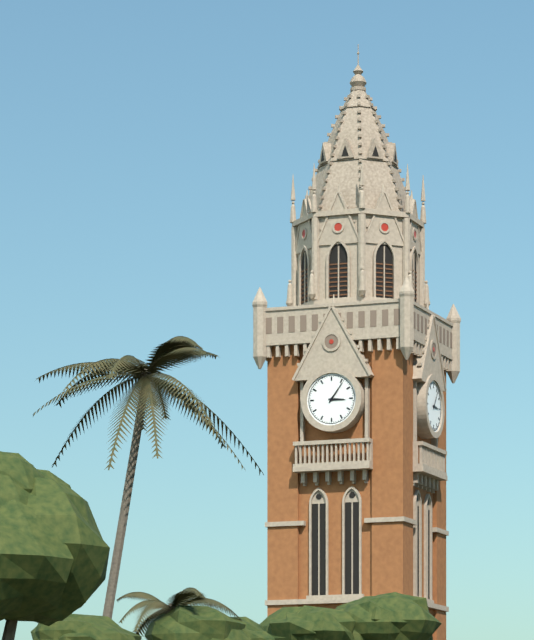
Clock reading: h=3 m=6
